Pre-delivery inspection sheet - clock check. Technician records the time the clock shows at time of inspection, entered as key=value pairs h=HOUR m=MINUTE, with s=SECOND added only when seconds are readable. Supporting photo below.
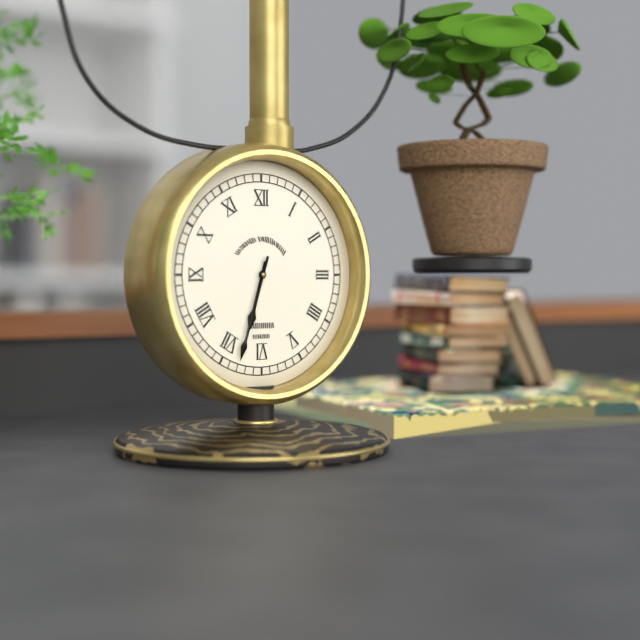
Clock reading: h=6 m=33
